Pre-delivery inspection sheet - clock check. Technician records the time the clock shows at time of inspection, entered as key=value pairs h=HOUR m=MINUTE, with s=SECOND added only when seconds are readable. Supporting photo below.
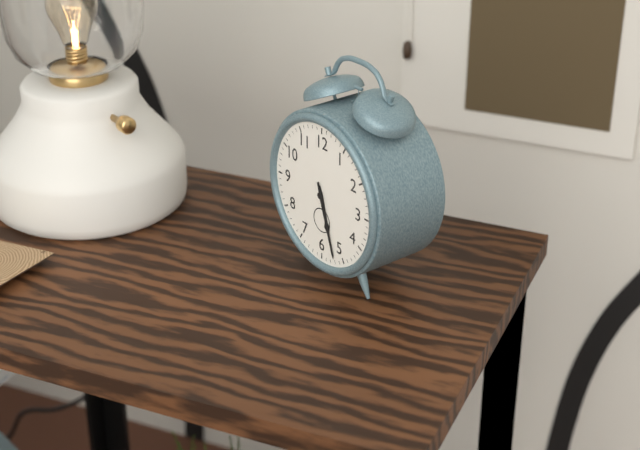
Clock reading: h=5 m=27
